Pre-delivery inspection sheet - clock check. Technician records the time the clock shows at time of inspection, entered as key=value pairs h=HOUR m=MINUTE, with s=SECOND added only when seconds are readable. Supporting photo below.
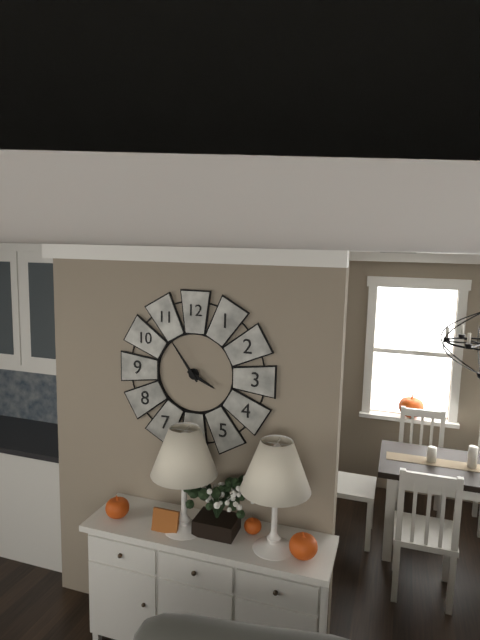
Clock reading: h=3 m=54
